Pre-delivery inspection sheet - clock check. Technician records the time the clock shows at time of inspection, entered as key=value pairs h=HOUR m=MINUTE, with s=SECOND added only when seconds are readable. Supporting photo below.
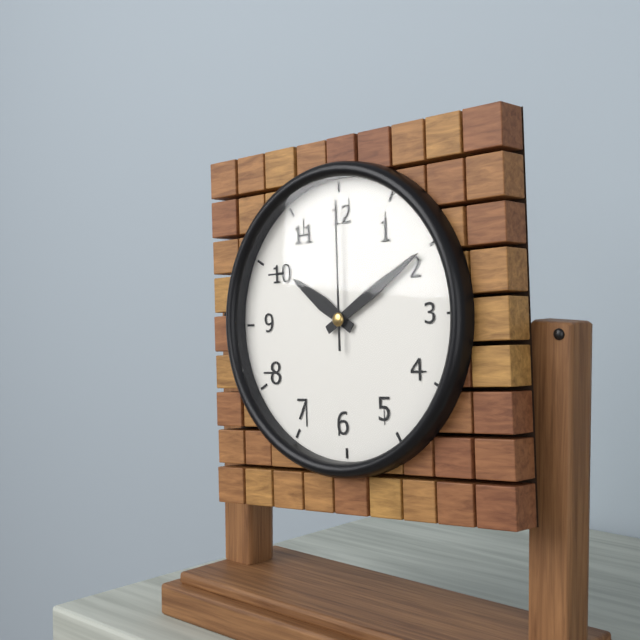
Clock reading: h=10 m=10 s=0
